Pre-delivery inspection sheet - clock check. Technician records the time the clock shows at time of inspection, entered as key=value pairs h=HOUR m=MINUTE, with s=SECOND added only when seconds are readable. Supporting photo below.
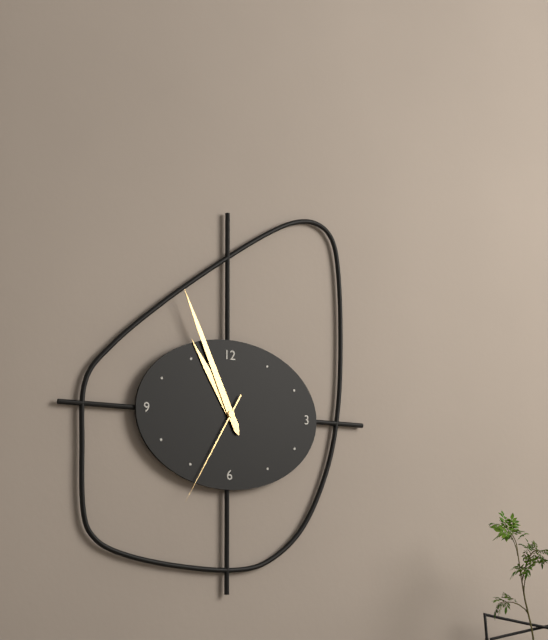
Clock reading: h=10 m=56 s=35
